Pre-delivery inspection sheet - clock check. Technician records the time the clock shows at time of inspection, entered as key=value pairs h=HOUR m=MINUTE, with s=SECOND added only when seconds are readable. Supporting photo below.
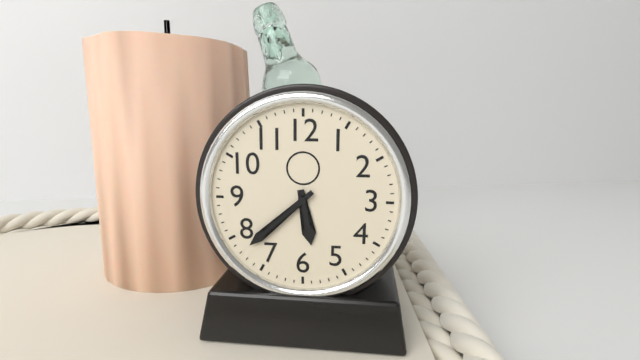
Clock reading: h=5 m=38
